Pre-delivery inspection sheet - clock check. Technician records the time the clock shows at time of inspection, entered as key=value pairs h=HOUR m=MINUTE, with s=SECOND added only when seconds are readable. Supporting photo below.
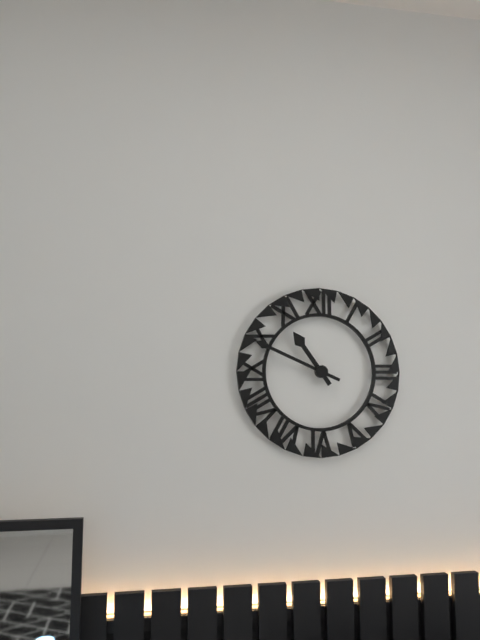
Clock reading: h=10 m=49
